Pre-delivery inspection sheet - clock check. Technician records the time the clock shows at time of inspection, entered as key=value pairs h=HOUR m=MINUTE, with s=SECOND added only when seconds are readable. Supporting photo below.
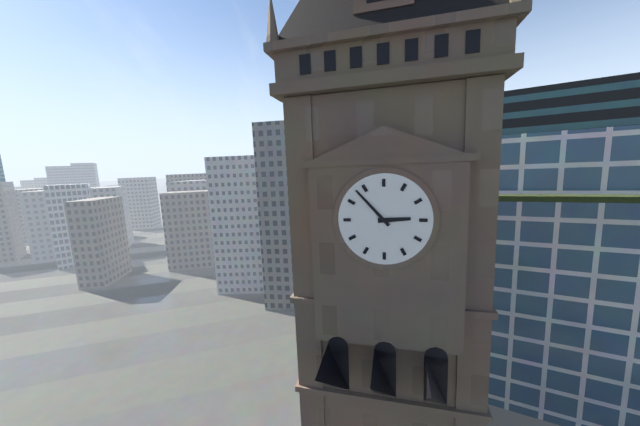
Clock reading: h=2 m=53
